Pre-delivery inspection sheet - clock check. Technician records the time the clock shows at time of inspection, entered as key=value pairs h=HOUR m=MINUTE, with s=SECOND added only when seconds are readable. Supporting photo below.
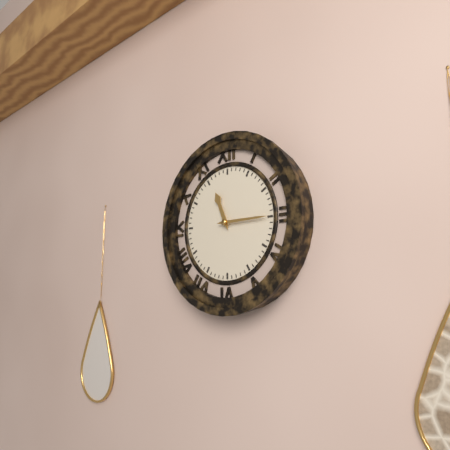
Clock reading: h=11 m=15
